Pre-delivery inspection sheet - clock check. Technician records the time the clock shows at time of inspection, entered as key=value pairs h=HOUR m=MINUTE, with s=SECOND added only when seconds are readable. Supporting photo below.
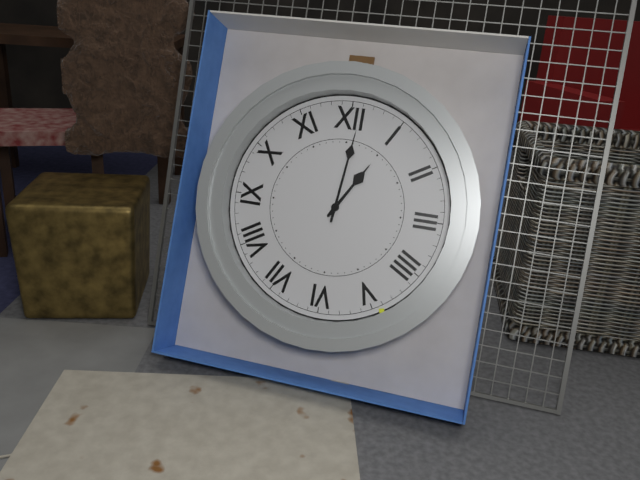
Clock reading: h=1 m=1
